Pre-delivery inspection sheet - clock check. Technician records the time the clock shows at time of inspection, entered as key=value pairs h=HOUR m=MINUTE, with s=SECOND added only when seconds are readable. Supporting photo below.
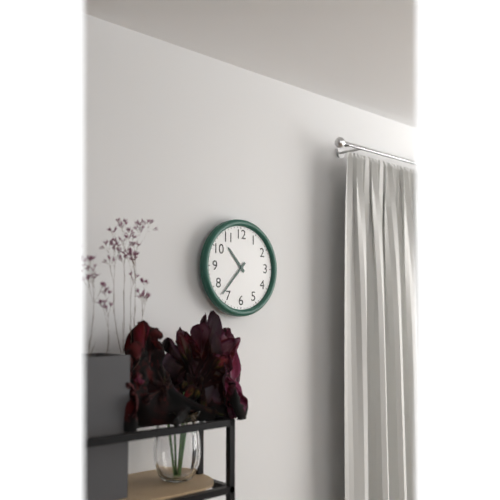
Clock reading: h=10 m=37
